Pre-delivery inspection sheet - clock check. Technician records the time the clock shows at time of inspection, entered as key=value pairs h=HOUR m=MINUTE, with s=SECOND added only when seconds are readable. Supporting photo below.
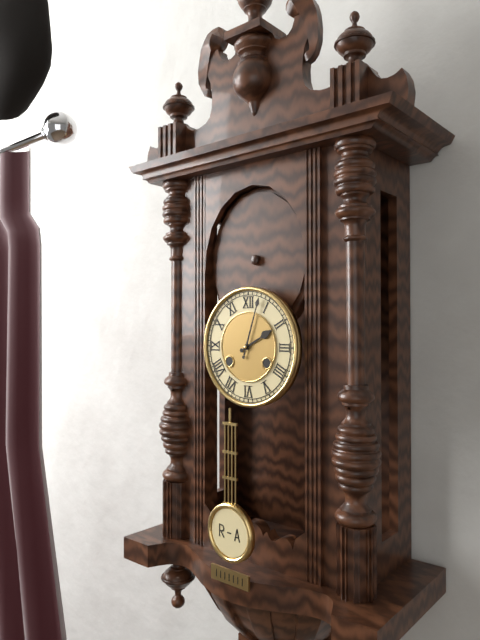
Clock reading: h=2 m=3
